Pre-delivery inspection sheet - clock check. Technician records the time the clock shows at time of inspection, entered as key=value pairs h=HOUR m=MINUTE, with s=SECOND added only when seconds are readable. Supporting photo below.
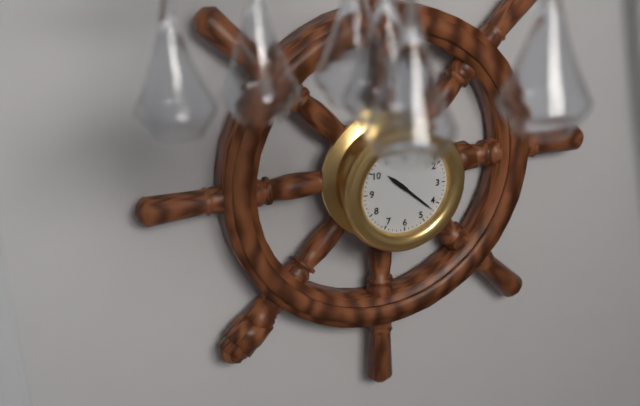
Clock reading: h=10 m=22
